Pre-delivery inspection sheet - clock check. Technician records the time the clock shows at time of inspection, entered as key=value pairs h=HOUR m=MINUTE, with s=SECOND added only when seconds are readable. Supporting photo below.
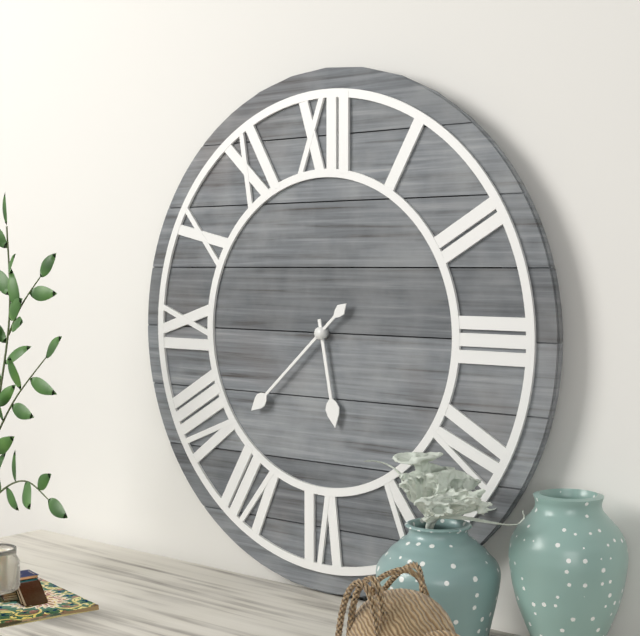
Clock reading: h=5 m=38
